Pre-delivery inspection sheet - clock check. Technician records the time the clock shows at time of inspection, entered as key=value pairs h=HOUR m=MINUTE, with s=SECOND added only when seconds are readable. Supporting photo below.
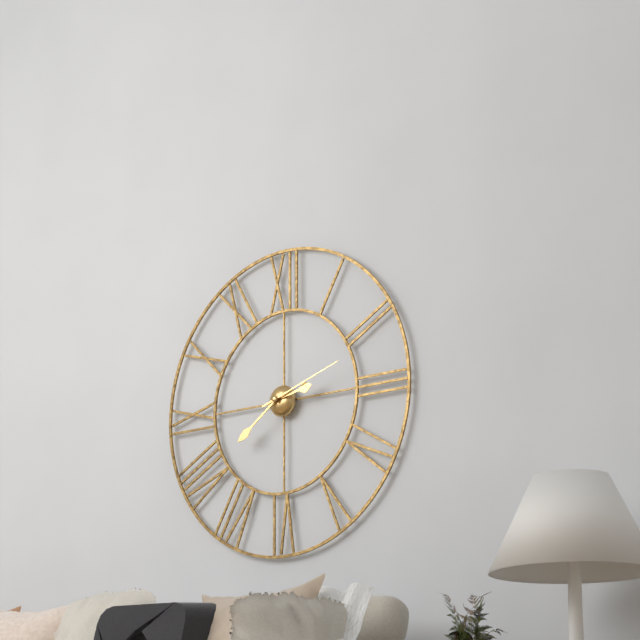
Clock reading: h=2 m=39 s=12
